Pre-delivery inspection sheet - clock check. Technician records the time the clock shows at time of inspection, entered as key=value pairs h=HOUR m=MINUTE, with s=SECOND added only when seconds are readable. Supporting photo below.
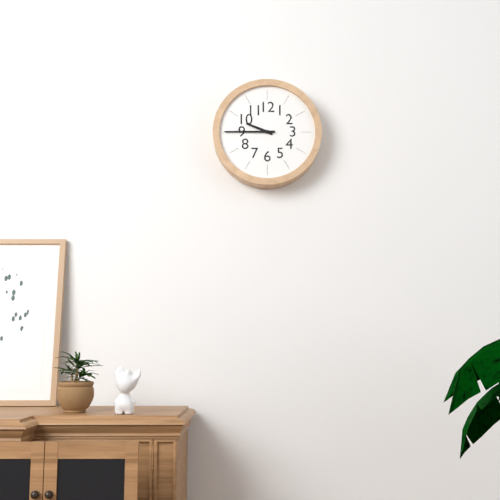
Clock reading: h=9 m=45
